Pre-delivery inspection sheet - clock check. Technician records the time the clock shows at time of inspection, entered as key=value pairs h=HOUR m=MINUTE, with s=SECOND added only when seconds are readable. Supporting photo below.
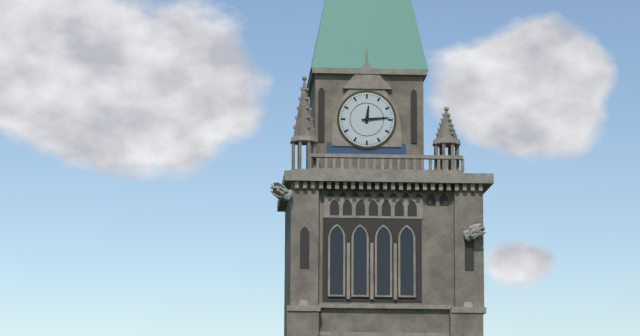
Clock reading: h=12 m=14
